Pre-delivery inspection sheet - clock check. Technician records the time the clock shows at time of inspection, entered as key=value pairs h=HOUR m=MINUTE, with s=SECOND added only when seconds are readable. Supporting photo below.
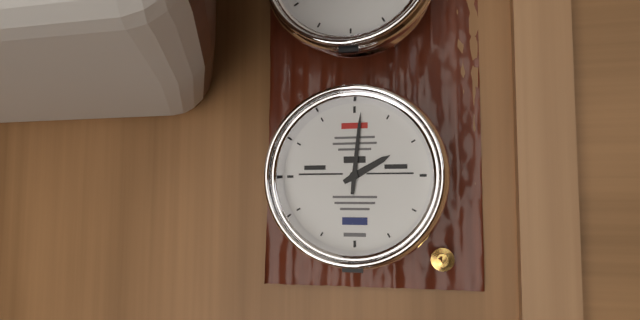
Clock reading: h=2 m=1
